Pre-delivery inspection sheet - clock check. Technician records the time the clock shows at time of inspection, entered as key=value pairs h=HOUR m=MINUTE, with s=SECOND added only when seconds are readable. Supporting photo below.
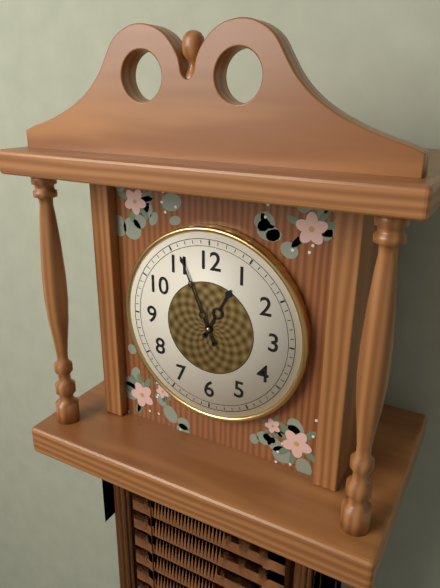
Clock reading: h=12 m=56
